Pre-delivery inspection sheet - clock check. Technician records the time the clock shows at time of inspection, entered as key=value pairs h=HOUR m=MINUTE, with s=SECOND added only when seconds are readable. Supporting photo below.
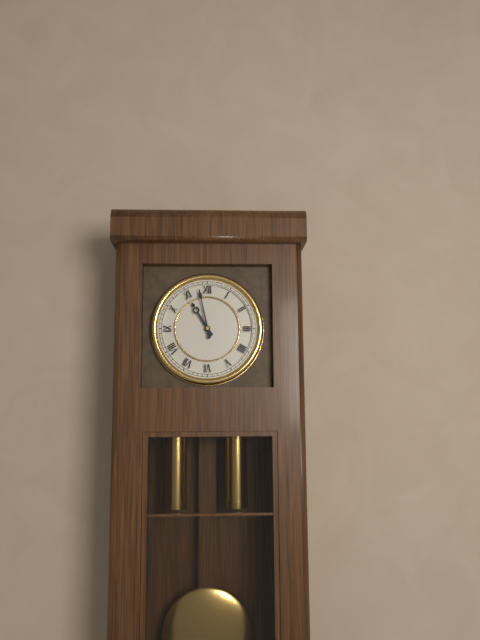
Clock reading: h=10 m=58
